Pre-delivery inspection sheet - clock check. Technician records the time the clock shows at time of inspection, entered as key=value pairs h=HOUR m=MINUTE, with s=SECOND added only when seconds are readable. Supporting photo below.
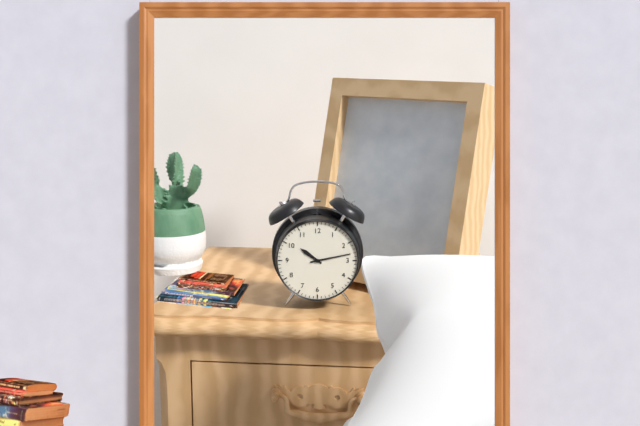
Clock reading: h=10 m=13
